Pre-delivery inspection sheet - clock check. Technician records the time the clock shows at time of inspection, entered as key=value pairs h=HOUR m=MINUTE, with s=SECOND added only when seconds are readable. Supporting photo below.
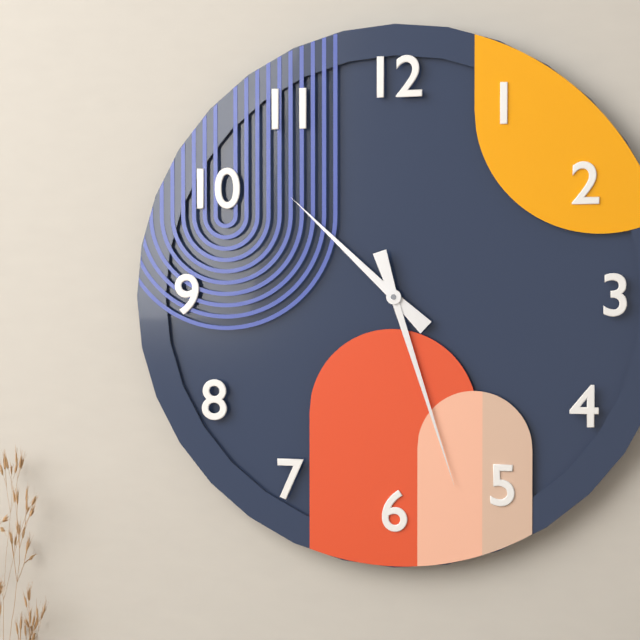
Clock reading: h=10 m=27
